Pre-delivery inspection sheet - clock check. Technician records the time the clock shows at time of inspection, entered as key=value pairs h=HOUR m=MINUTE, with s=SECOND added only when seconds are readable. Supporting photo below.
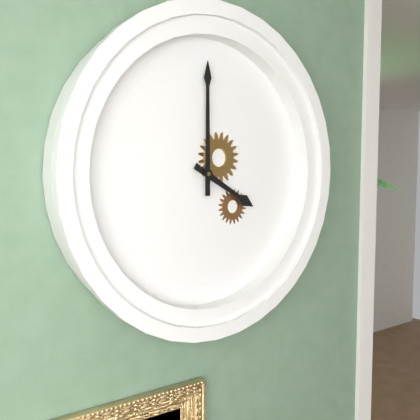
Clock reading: h=4 m=0
